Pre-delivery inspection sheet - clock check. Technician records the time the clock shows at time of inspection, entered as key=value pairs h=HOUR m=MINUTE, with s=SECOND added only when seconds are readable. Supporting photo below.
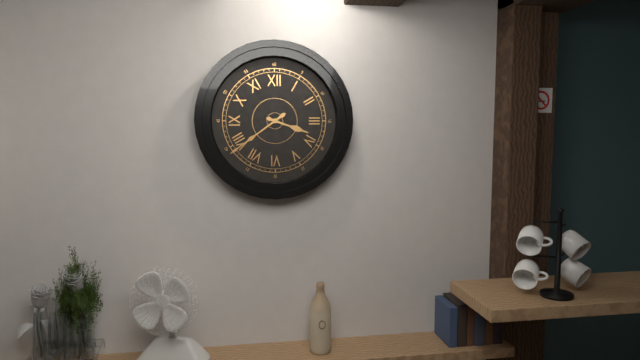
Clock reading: h=3 m=39
